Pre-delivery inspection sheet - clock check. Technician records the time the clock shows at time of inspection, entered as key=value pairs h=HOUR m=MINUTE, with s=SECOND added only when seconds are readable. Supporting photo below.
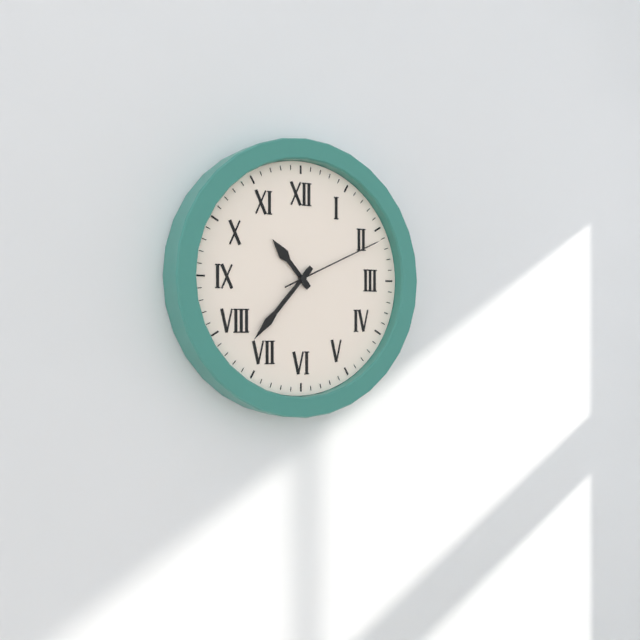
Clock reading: h=10 m=37 s=11
